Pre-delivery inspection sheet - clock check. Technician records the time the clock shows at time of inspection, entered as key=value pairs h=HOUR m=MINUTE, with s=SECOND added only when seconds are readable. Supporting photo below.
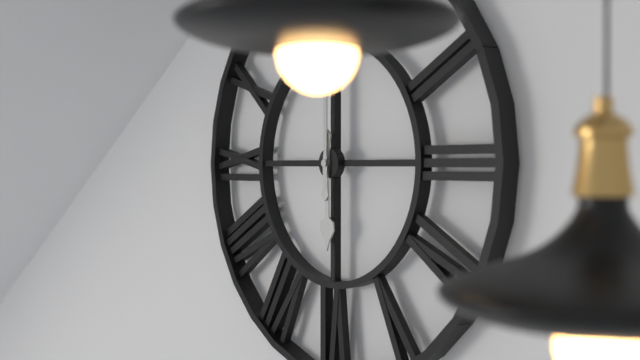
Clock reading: h=6 m=0
